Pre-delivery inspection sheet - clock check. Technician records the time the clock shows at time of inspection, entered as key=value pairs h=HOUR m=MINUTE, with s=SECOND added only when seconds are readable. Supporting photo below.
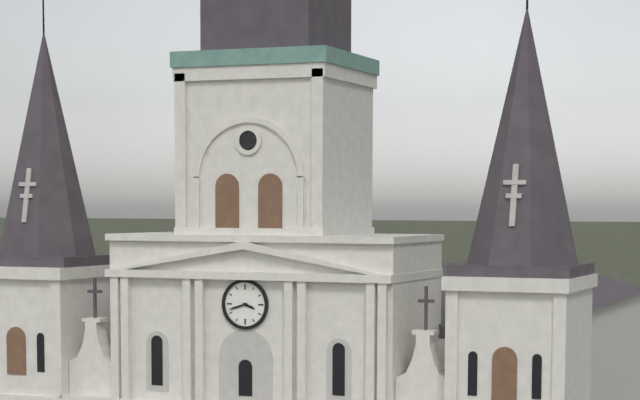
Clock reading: h=3 m=42
